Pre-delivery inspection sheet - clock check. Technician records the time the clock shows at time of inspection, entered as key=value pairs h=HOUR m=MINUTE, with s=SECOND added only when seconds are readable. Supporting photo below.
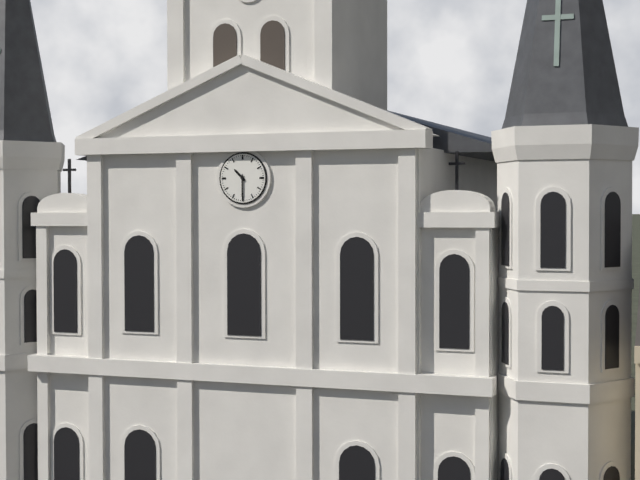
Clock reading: h=10 m=30
